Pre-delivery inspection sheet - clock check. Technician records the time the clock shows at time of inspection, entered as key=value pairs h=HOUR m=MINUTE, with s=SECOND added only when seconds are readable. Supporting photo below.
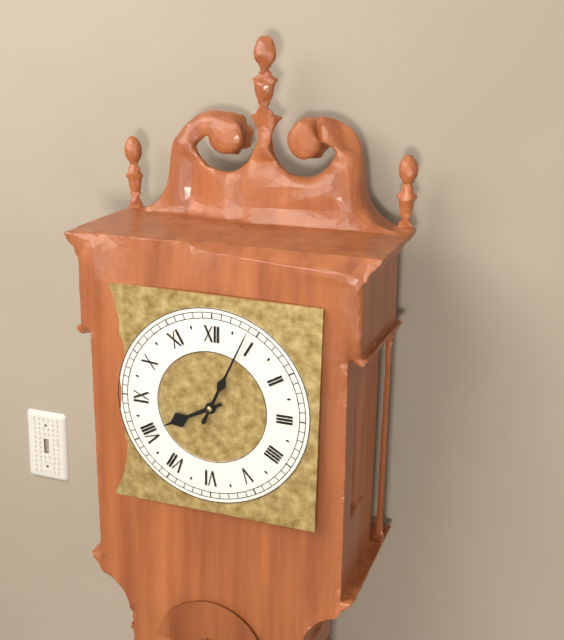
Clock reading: h=8 m=4
